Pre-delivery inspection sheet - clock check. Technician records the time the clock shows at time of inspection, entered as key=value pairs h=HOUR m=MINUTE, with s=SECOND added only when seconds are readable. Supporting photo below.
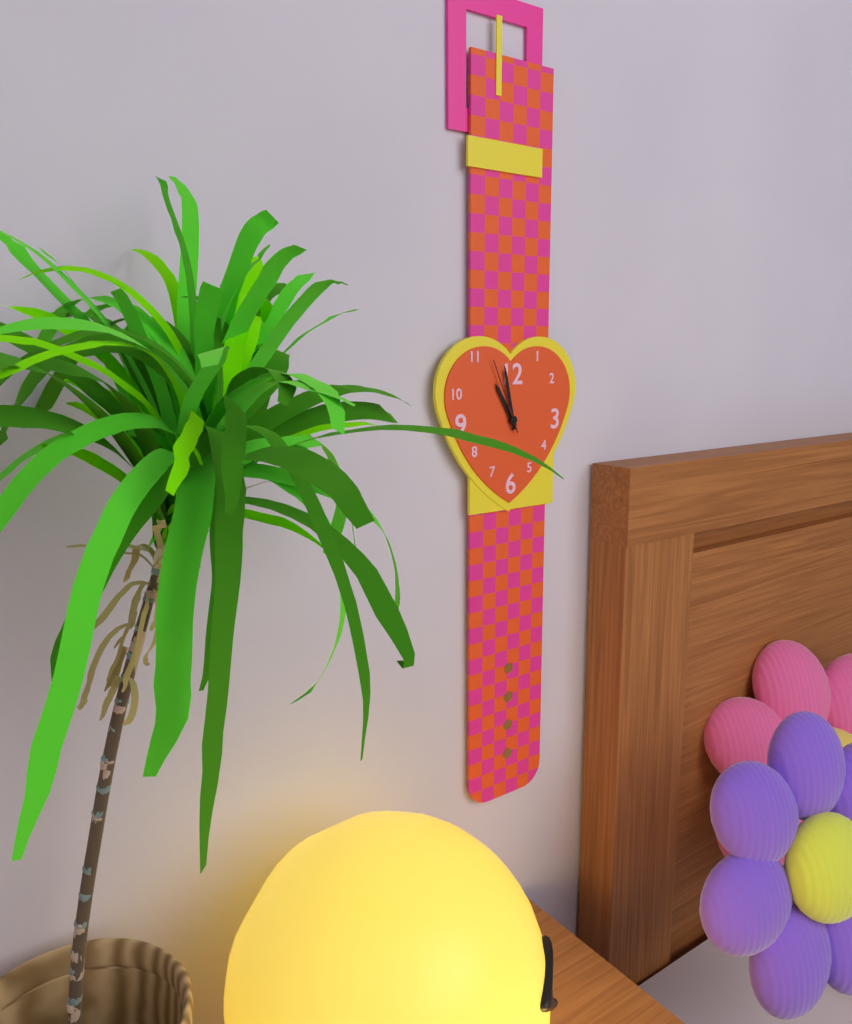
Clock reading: h=10 m=58 s=56
